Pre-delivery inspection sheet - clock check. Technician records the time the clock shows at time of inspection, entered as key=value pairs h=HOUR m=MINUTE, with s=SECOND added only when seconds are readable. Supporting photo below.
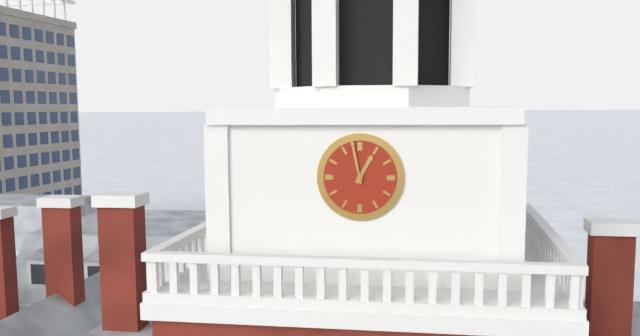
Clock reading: h=12 m=58
